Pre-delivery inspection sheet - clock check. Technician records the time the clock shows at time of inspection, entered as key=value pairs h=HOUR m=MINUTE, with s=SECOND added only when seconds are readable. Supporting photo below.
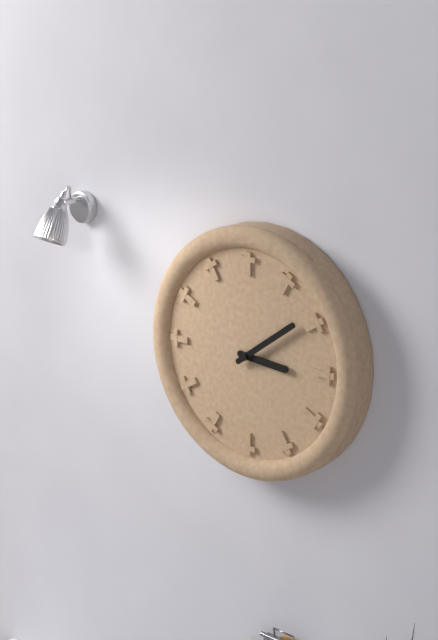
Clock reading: h=3 m=9
